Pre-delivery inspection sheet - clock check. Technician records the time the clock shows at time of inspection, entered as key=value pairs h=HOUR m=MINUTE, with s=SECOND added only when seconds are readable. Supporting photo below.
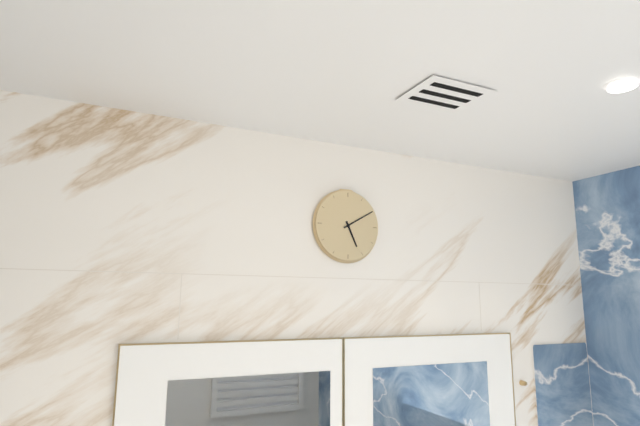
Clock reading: h=5 m=10
